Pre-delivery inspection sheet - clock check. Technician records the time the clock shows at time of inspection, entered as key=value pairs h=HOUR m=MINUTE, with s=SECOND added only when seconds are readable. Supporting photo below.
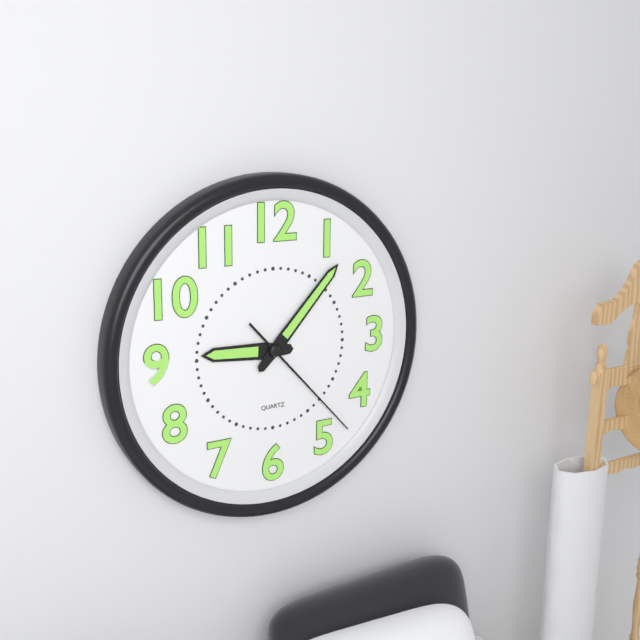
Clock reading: h=9 m=7 s=23
